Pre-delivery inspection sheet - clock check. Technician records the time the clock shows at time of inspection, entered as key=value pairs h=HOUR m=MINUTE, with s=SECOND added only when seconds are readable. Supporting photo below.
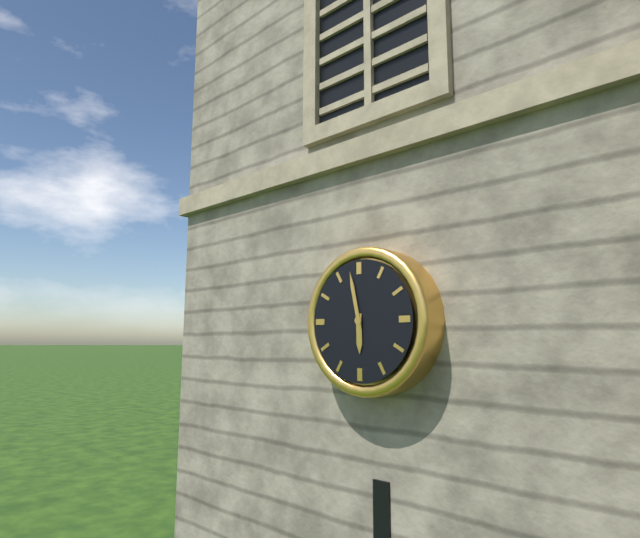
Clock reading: h=5 m=58
